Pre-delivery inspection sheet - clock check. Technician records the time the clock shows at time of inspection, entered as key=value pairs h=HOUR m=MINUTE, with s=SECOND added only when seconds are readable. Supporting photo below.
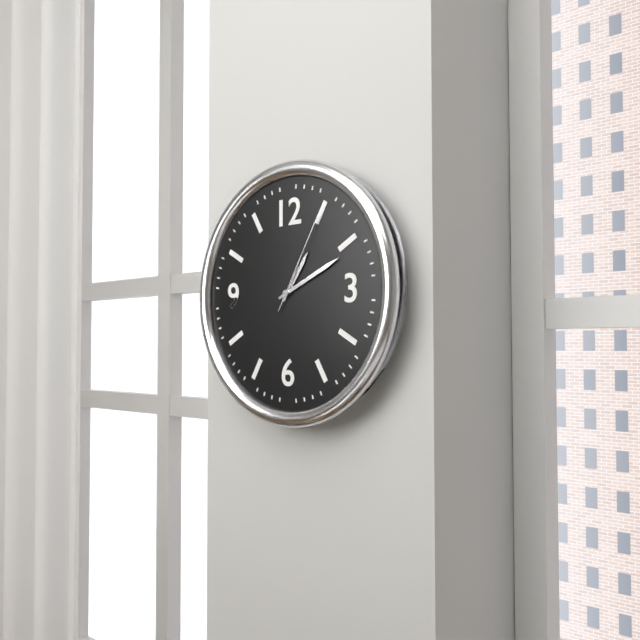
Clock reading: h=1 m=11 s=5
